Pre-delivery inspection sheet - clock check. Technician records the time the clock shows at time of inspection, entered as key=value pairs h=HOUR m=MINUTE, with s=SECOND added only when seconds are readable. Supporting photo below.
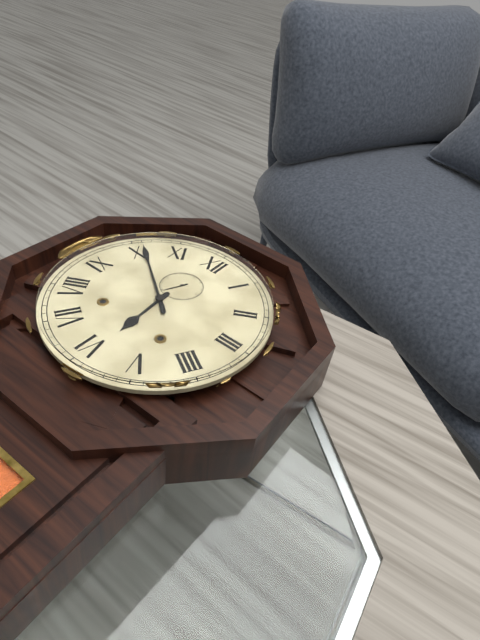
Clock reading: h=5 m=51 s=34
